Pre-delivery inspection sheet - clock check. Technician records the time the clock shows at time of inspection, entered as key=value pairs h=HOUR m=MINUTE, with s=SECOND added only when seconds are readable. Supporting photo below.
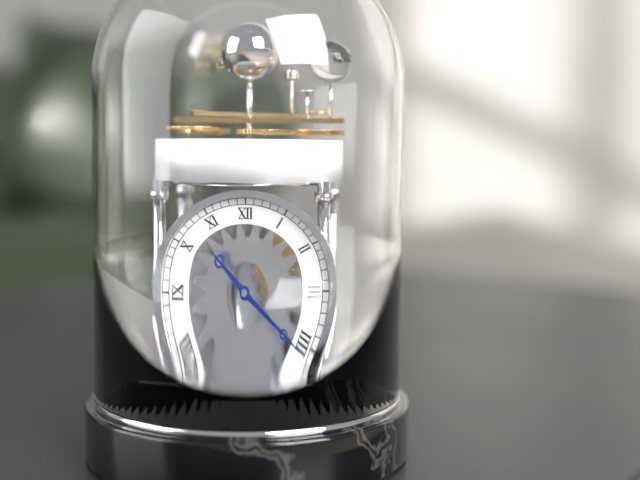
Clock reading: h=10 m=21
